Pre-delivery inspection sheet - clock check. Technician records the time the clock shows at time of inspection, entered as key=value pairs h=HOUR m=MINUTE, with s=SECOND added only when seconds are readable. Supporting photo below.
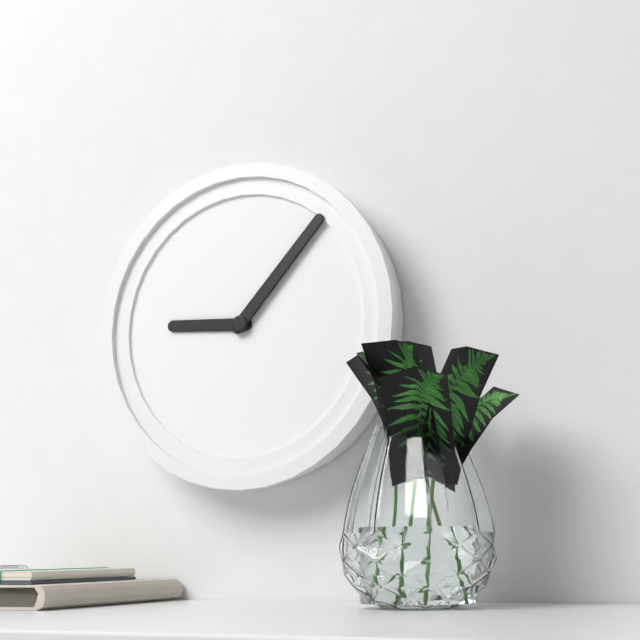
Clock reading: h=9 m=7
